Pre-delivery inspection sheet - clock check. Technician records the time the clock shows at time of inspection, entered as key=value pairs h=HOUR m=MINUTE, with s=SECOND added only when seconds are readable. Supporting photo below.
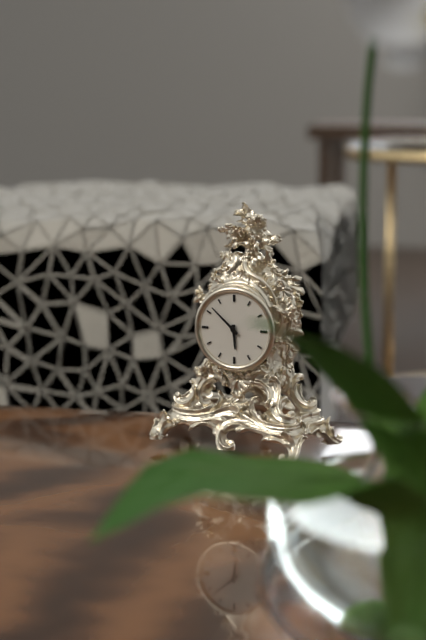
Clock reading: h=5 m=52
